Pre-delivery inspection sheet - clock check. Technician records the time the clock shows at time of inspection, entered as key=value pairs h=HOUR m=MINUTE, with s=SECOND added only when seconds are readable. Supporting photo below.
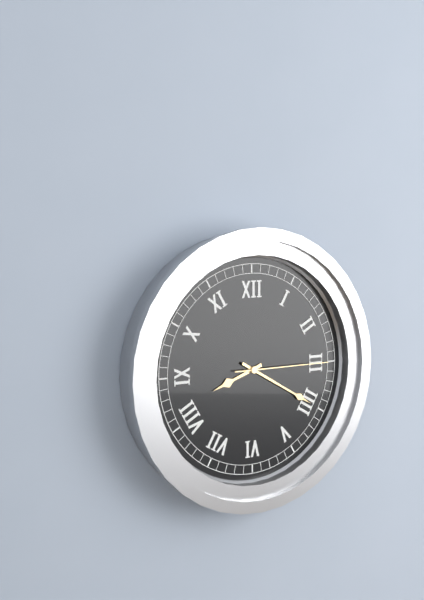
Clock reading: h=8 m=20 s=15
